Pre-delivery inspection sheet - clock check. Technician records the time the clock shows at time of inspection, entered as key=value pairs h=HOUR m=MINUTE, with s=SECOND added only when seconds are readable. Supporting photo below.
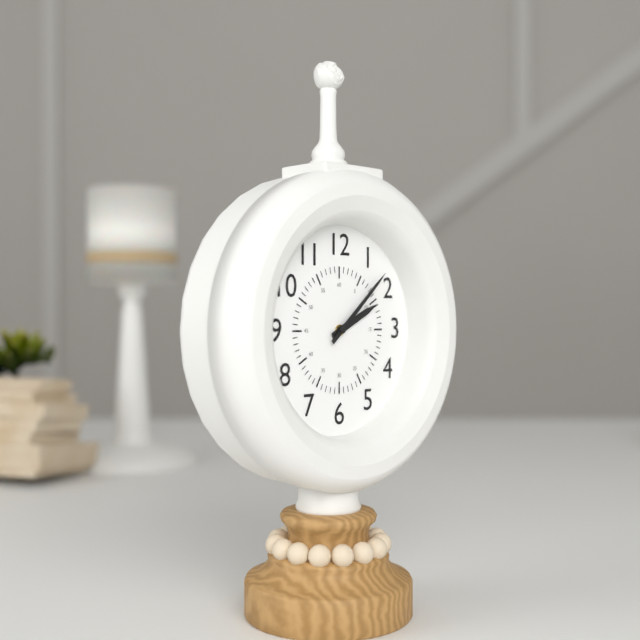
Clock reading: h=2 m=8
